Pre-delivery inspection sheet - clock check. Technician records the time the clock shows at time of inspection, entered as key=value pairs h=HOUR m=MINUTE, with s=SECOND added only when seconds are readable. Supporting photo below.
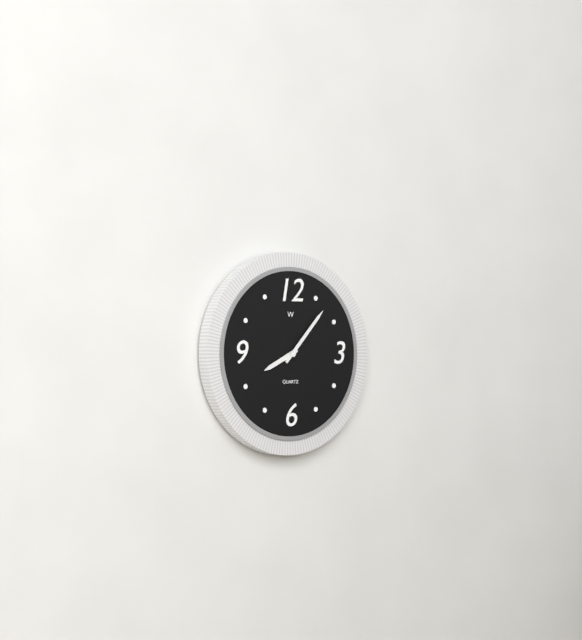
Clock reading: h=8 m=7
